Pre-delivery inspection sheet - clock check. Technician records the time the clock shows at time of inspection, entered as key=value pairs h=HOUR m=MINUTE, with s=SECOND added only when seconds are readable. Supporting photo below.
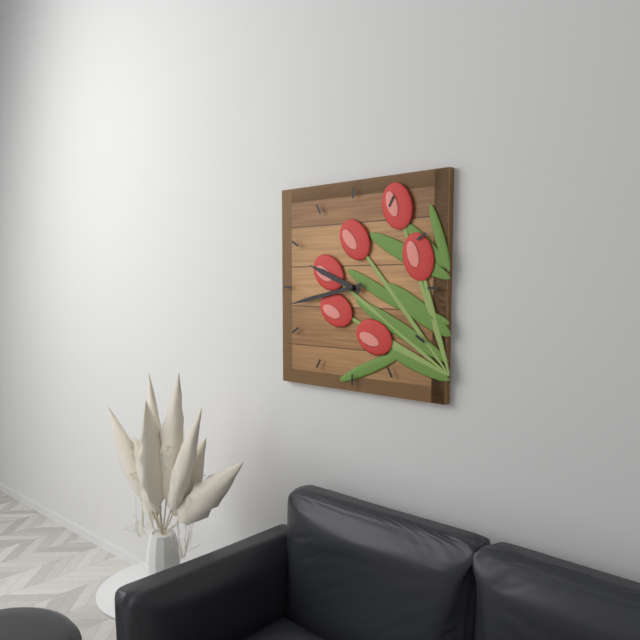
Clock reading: h=9 m=43
